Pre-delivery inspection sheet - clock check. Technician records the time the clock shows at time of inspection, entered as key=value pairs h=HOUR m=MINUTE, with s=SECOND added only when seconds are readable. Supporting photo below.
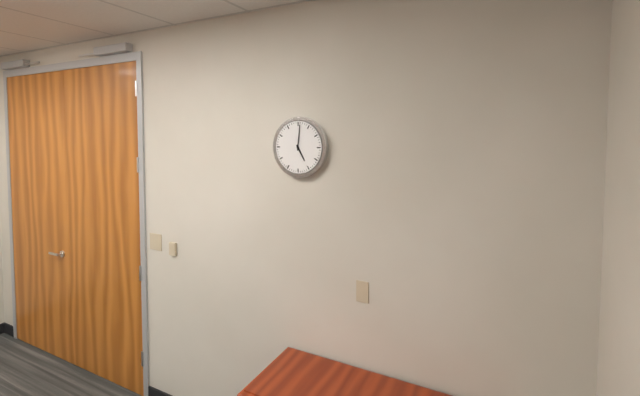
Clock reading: h=5 m=1
